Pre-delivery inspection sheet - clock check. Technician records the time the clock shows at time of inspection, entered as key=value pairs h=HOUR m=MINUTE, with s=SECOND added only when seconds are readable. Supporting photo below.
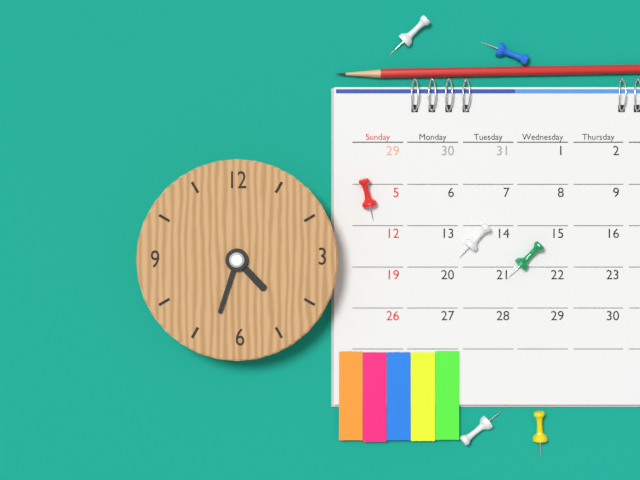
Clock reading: h=4 m=33
